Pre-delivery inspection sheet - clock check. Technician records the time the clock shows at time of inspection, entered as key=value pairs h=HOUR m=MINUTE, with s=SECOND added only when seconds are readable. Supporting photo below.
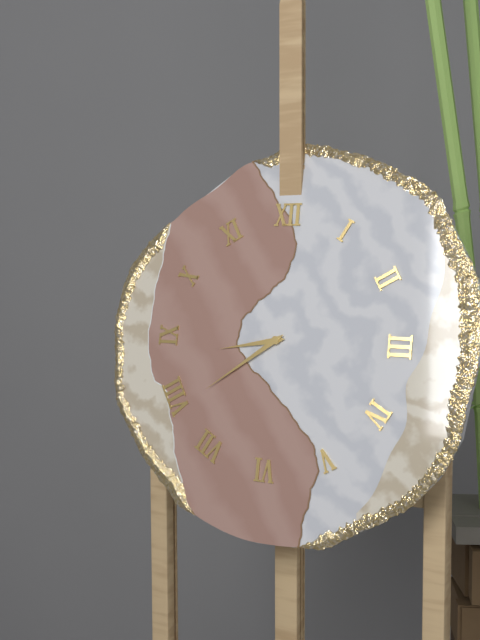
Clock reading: h=8 m=39
